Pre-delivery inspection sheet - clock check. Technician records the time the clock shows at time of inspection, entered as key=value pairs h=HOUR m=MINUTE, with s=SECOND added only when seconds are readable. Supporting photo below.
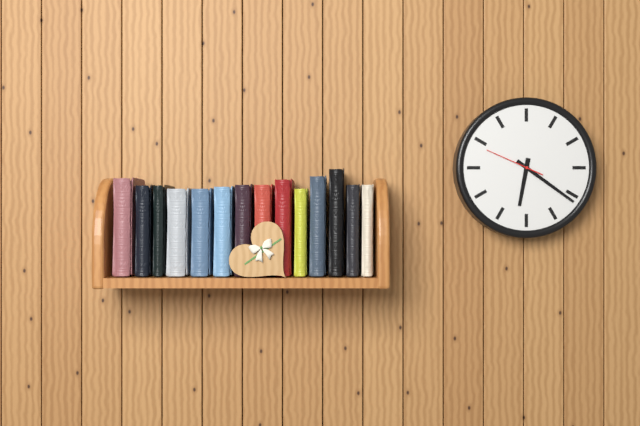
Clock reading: h=6 m=21
